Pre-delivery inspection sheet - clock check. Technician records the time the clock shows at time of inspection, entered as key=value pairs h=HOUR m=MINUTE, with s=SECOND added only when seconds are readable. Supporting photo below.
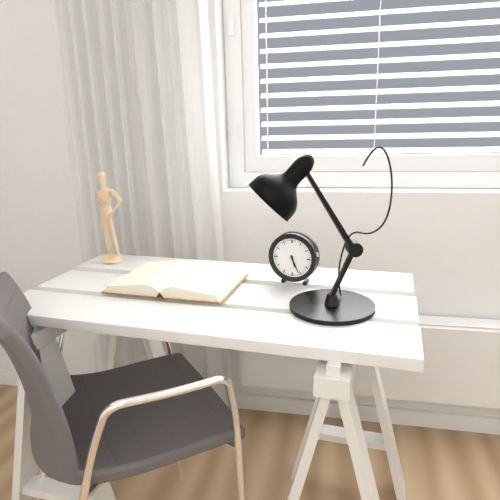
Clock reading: h=5 m=26
